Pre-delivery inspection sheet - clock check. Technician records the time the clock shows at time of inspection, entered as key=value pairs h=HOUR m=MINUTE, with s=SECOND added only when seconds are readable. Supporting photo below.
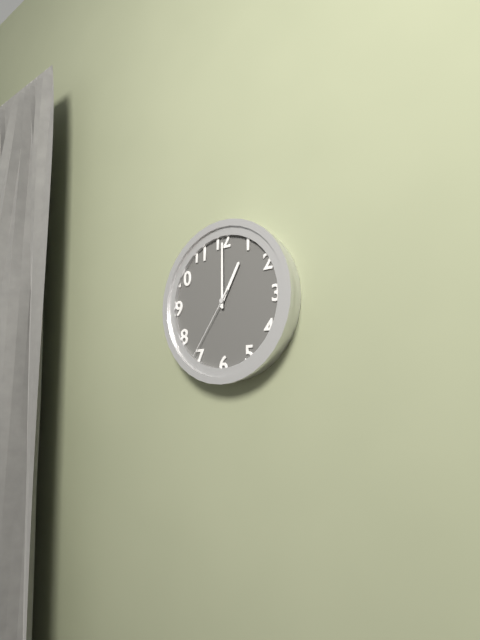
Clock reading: h=1 m=0 s=36
